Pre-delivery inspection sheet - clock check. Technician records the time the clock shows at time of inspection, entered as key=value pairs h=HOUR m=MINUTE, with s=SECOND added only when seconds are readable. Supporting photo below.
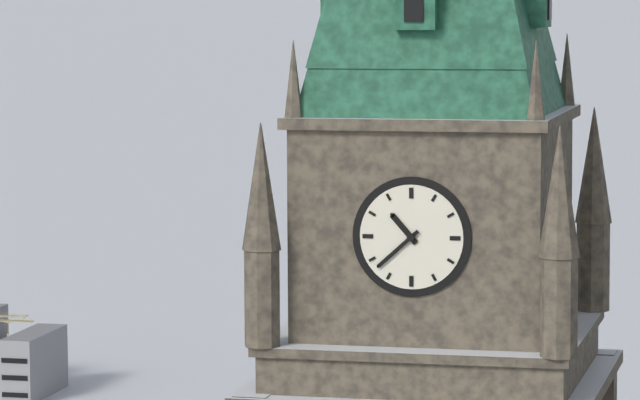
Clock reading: h=10 m=38
